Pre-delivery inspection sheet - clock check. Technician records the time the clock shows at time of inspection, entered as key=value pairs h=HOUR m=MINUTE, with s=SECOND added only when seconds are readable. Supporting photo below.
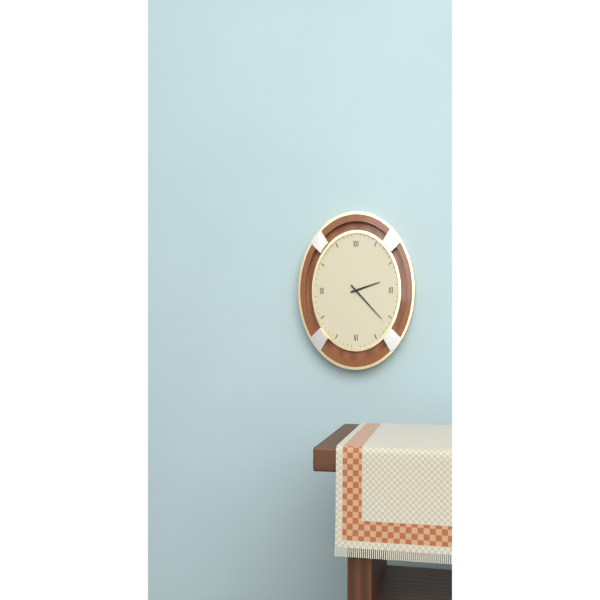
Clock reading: h=2 m=23
